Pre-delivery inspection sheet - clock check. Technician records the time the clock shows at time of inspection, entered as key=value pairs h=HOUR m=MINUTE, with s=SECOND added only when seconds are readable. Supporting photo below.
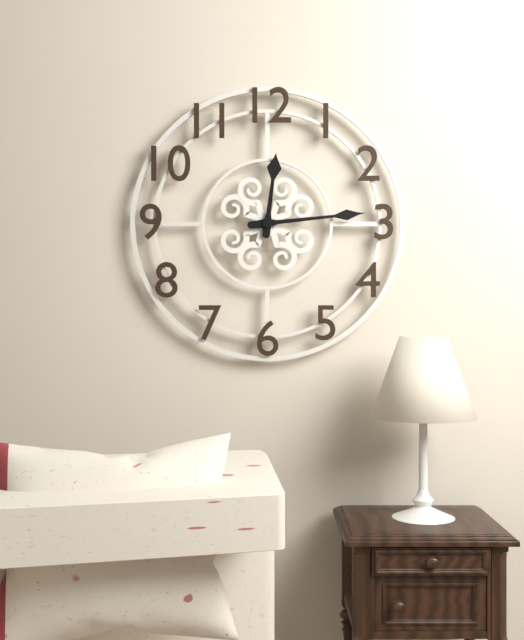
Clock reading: h=12 m=14
